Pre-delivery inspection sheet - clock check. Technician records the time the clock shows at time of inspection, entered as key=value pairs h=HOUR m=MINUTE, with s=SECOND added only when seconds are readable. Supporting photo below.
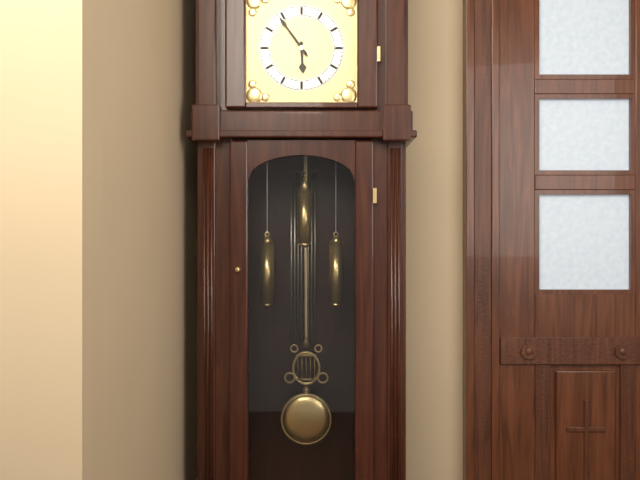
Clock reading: h=5 m=54
